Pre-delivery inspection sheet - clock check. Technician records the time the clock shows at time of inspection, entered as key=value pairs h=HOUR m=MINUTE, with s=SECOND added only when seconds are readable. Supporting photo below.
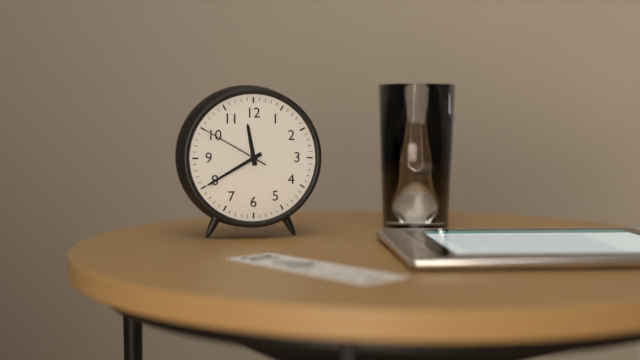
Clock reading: h=11 m=40 s=50
